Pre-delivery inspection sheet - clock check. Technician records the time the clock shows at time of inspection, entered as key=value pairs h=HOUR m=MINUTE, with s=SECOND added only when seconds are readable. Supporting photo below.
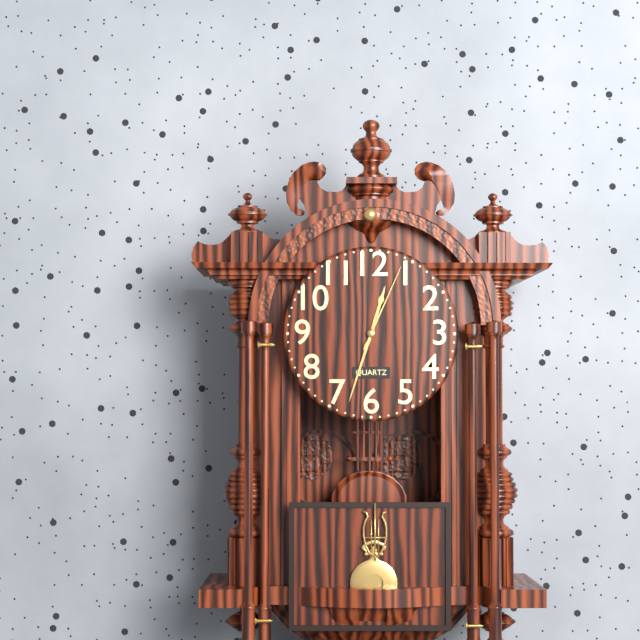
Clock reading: h=12 m=33 s=4
